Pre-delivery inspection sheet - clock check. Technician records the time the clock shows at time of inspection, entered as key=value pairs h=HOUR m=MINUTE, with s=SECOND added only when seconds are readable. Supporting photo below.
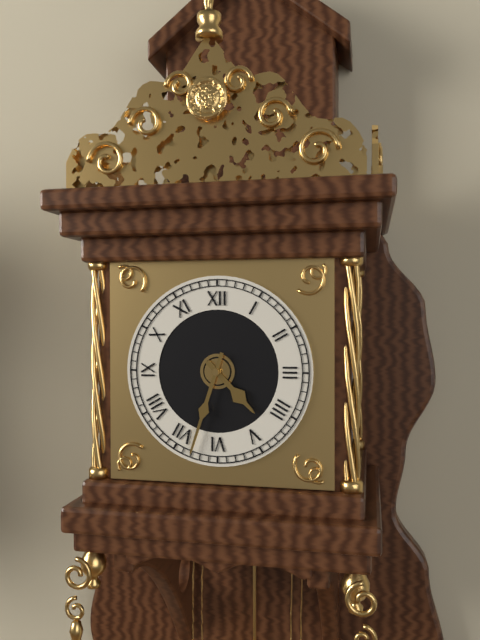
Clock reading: h=4 m=33
